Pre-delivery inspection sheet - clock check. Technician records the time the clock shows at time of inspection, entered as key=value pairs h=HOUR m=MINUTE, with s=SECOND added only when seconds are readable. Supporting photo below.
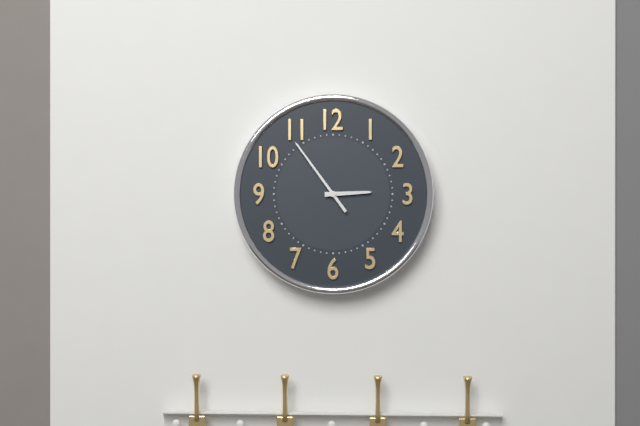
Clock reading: h=2 m=54
